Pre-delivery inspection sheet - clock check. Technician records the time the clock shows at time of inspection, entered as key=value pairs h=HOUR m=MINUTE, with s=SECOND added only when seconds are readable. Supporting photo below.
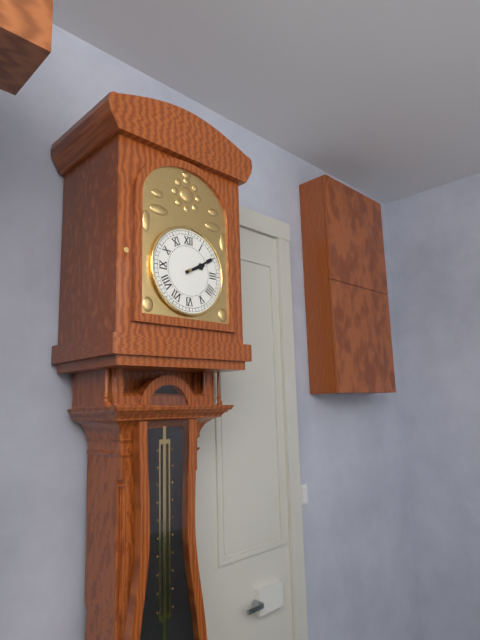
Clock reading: h=2 m=10
